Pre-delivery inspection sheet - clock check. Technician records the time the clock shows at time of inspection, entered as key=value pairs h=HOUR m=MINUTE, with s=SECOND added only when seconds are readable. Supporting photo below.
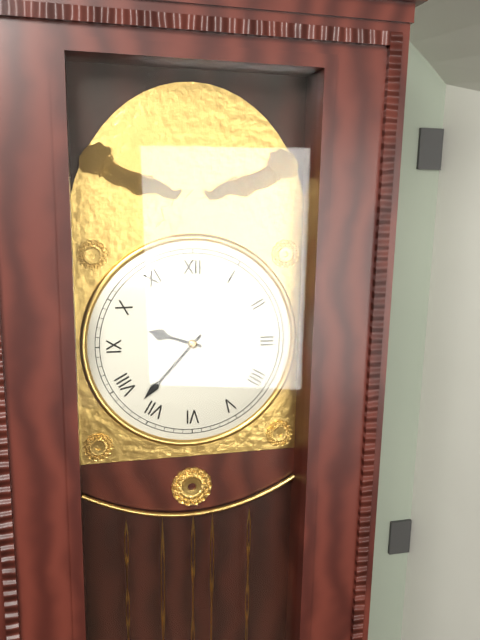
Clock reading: h=9 m=37
